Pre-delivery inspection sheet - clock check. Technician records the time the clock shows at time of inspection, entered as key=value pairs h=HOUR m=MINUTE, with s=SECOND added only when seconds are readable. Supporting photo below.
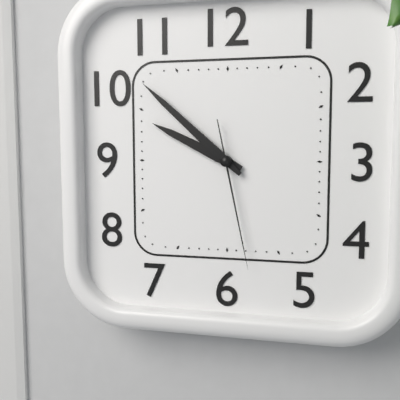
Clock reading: h=9 m=52 s=28
